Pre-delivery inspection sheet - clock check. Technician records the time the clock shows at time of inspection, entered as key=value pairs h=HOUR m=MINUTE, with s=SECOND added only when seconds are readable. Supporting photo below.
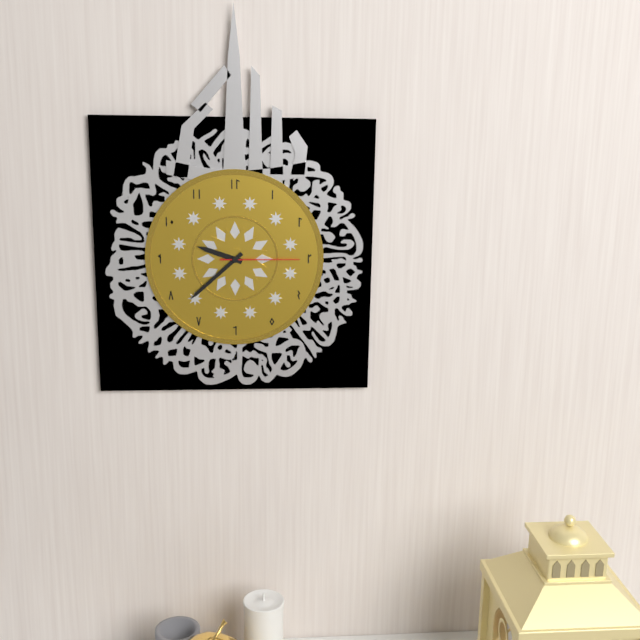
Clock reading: h=9 m=38 s=15
